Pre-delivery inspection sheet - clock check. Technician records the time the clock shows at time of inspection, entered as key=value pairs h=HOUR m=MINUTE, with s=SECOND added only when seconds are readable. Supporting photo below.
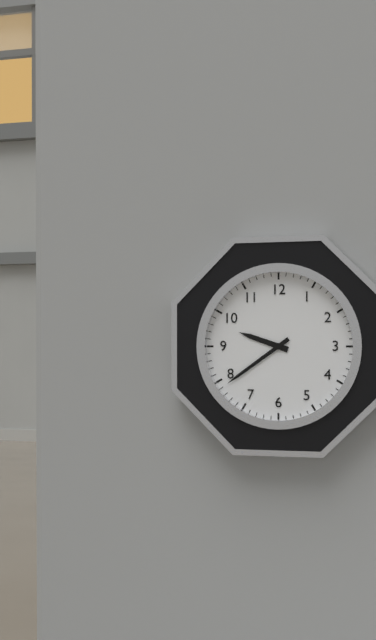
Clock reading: h=9 m=39
